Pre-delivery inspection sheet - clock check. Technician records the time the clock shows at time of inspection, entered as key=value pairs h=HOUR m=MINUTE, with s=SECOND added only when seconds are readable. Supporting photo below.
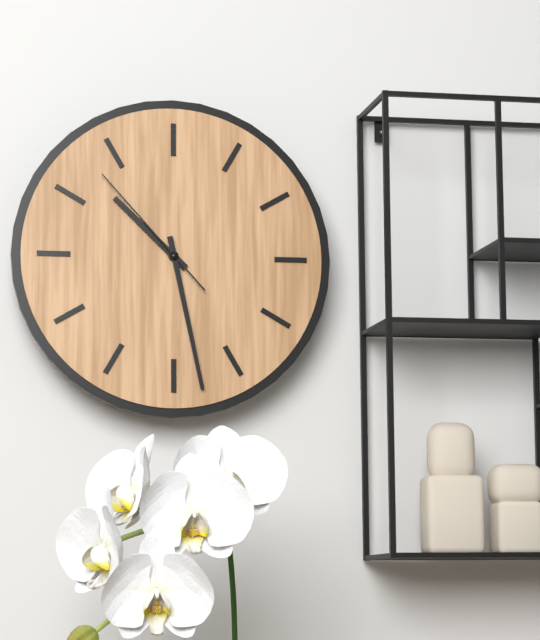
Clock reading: h=10 m=28 s=53
